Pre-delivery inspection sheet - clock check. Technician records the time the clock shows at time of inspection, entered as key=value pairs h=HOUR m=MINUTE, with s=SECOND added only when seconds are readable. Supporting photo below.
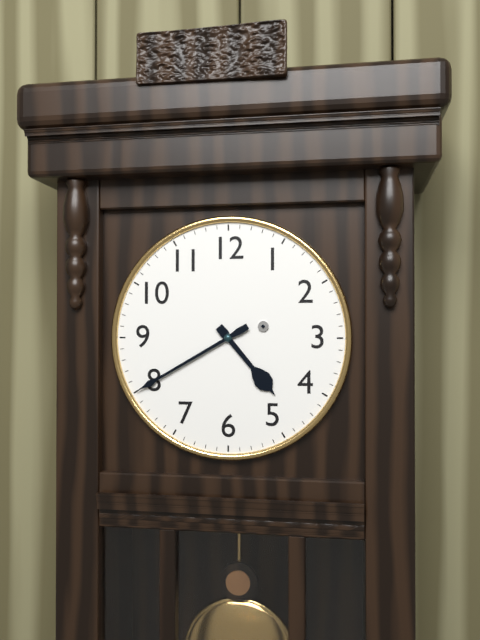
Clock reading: h=4 m=40
